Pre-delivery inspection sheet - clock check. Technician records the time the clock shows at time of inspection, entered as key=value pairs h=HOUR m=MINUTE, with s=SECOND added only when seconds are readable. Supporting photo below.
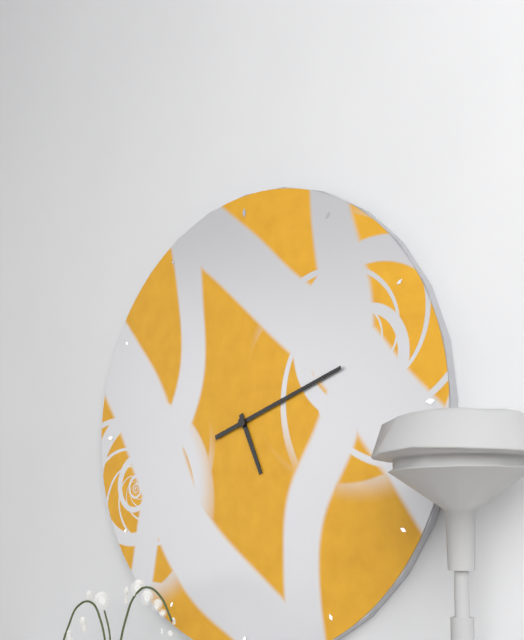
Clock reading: h=5 m=12
